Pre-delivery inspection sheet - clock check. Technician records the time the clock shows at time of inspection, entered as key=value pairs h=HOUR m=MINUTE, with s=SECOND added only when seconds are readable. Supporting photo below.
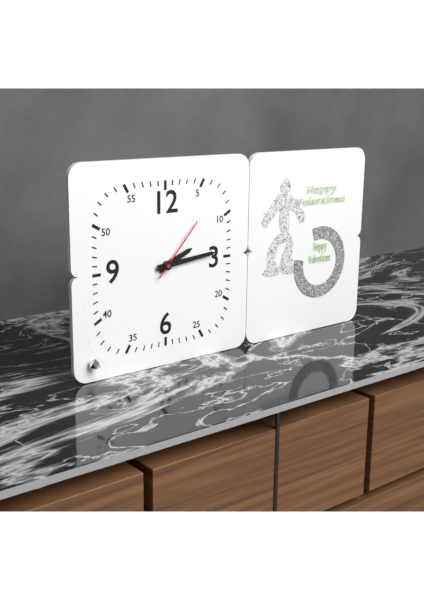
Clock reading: h=2 m=14 s=7
